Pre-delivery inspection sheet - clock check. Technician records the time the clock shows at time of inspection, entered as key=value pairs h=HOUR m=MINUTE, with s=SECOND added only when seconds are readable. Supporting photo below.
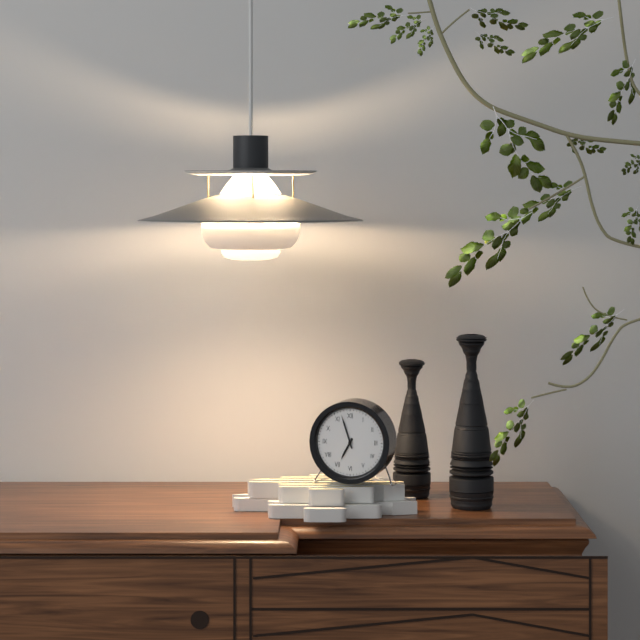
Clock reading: h=6 m=57
